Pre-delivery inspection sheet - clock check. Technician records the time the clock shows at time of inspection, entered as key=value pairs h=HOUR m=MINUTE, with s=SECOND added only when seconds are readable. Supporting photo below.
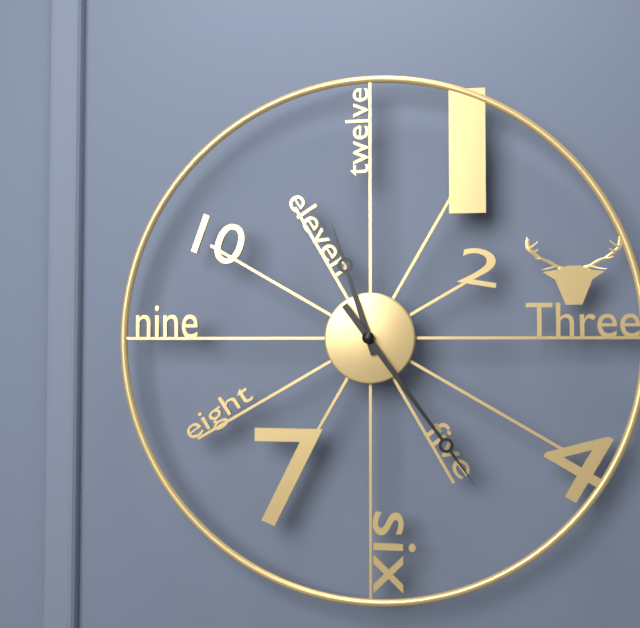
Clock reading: h=11 m=24
